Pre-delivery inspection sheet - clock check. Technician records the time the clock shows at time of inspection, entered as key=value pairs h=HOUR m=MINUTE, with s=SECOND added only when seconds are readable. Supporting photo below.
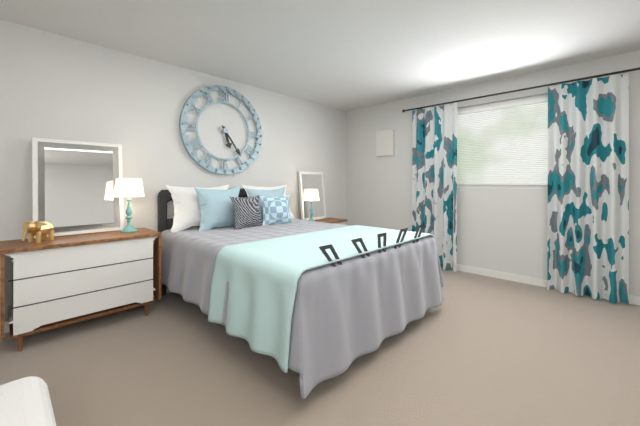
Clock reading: h=5 m=24
